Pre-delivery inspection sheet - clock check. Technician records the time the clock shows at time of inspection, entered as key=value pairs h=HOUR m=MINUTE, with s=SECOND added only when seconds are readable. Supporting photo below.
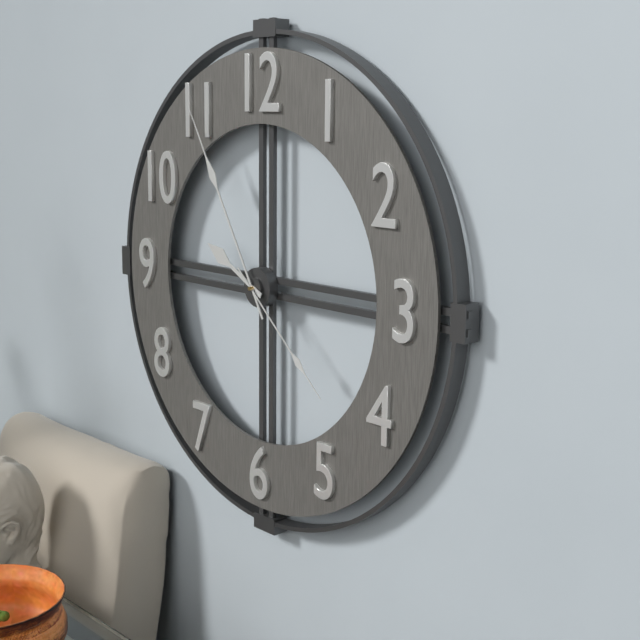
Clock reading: h=9 m=55 s=22
